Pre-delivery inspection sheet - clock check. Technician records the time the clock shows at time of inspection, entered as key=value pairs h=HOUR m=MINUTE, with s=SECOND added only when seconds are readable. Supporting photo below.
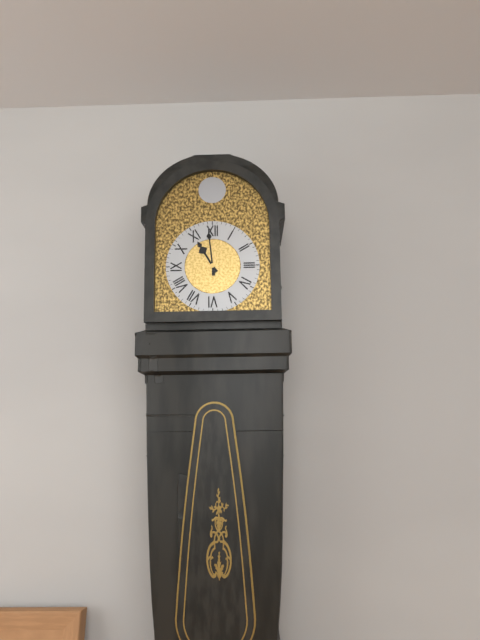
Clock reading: h=10 m=59
